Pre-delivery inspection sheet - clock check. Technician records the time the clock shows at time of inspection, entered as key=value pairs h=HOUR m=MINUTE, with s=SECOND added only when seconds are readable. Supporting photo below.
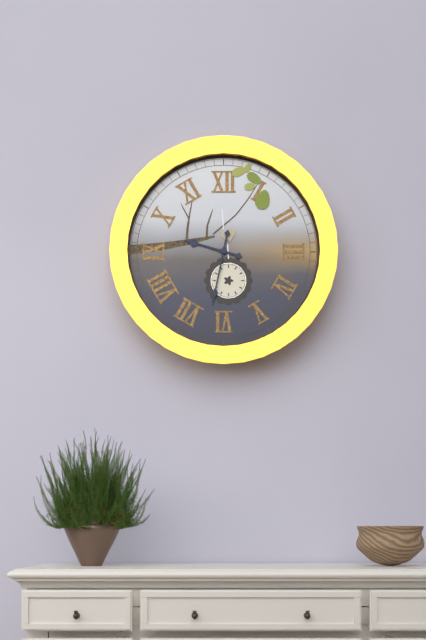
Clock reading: h=9 m=32
